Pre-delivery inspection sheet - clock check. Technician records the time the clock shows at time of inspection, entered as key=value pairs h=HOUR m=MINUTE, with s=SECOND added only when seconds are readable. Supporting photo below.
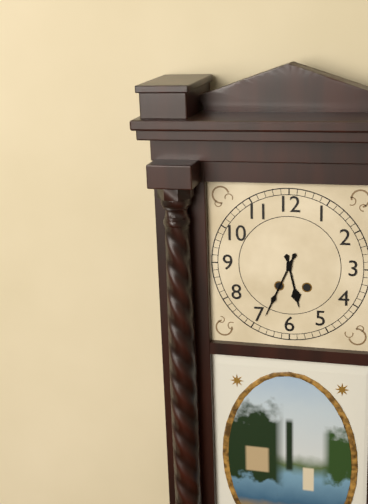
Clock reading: h=5 m=34
